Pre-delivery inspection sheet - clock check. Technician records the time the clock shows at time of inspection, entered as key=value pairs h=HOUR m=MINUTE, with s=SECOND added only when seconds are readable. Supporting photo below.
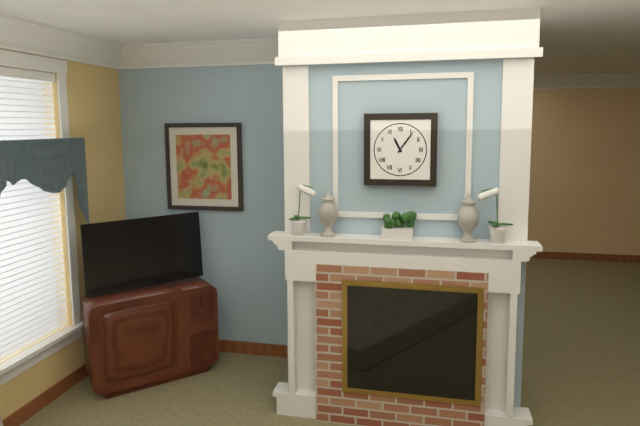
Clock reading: h=11 m=6
